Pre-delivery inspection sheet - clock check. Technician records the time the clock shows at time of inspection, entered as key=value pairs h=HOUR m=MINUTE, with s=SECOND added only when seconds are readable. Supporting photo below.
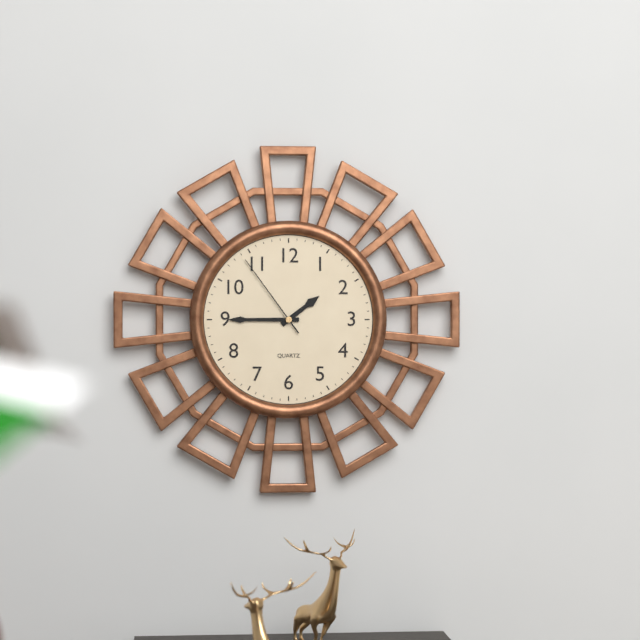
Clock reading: h=1 m=45 s=54
